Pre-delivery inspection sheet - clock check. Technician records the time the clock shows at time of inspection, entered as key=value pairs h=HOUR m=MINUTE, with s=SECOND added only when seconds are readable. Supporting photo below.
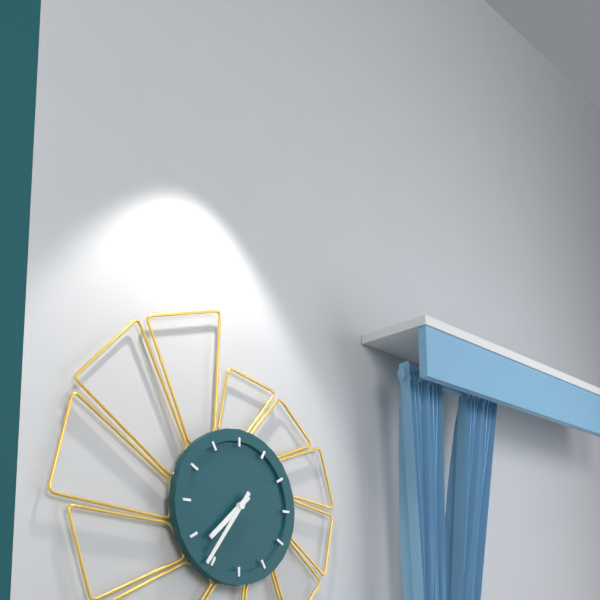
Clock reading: h=7 m=36
